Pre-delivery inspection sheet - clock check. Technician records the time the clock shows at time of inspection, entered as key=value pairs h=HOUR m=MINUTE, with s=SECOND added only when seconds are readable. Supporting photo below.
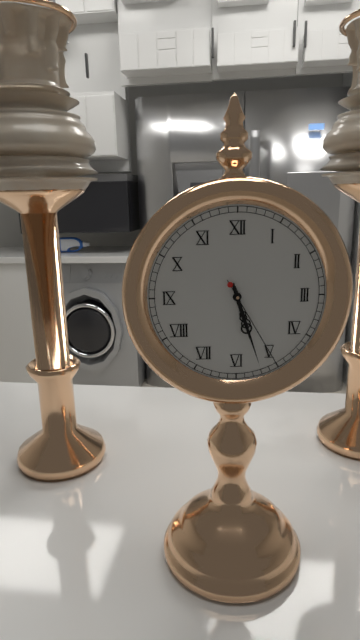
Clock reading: h=5 m=27 s=25
